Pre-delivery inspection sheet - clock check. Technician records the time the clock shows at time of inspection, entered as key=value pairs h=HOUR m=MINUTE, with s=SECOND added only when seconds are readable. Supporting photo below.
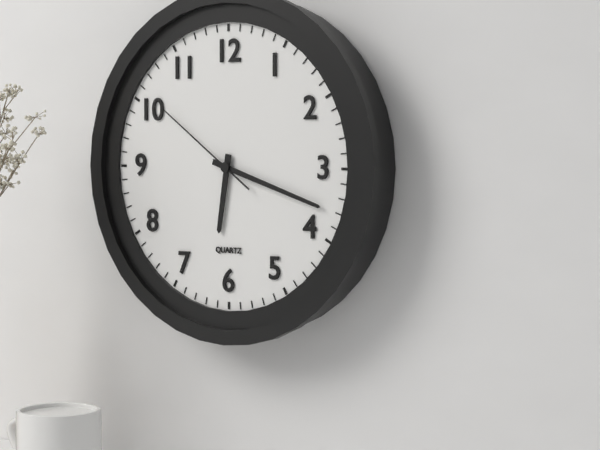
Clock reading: h=6 m=18 s=51
